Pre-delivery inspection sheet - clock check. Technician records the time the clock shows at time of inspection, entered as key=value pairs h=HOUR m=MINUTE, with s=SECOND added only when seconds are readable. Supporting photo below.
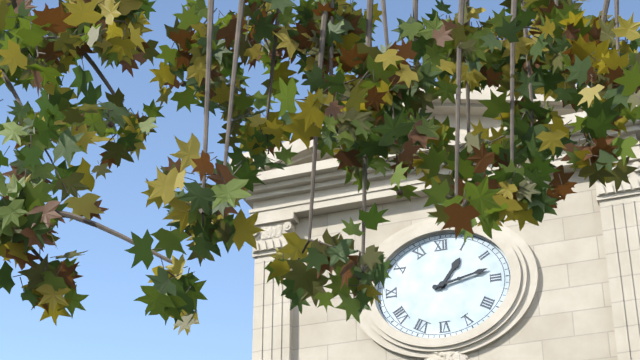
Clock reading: h=1 m=13
